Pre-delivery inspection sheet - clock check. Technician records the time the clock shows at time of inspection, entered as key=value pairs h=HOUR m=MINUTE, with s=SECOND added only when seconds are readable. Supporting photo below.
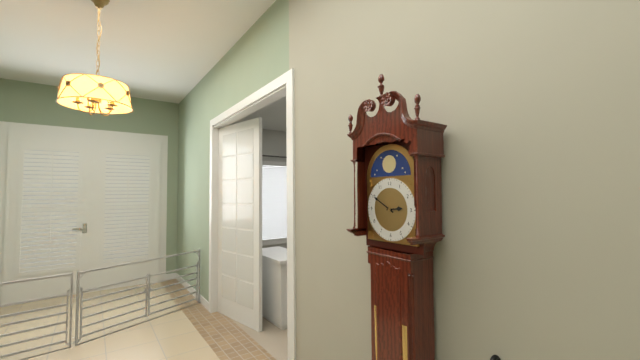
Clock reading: h=2 m=50
